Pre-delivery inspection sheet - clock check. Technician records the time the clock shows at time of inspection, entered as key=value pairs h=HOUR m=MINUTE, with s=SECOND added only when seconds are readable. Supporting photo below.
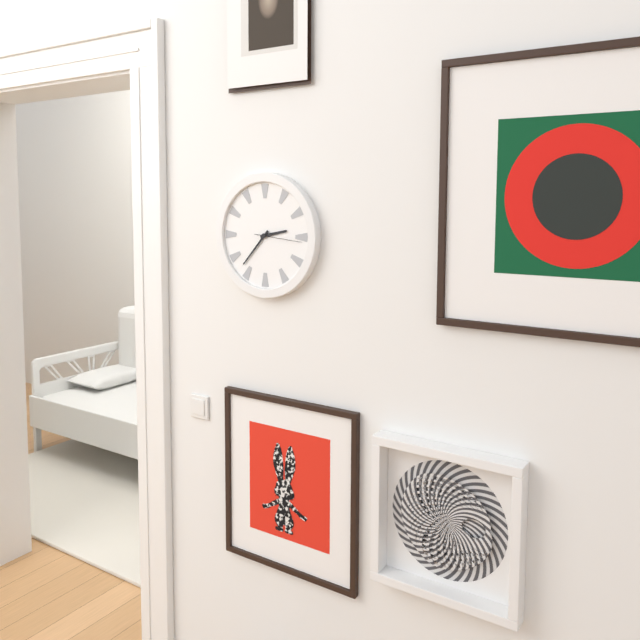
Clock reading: h=2 m=37
